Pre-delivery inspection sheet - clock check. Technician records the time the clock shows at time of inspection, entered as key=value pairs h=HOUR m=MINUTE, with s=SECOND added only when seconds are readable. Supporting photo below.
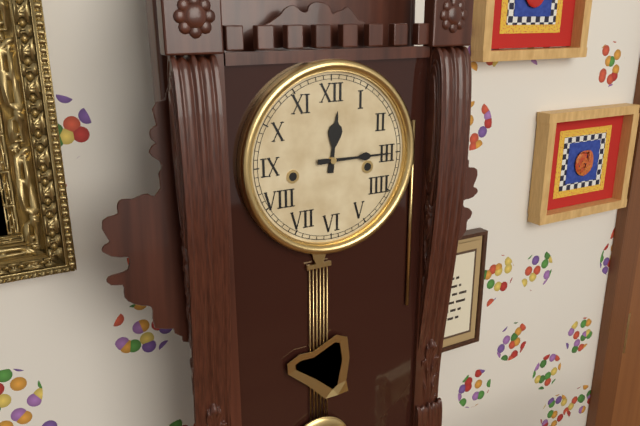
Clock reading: h=12 m=15
